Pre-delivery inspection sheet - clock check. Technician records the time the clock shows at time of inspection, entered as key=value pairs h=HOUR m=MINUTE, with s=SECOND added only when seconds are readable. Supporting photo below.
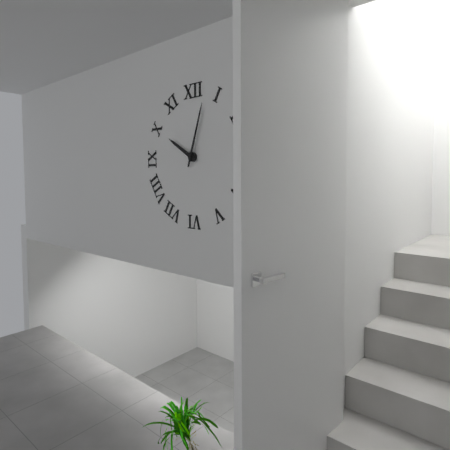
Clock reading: h=10 m=3
